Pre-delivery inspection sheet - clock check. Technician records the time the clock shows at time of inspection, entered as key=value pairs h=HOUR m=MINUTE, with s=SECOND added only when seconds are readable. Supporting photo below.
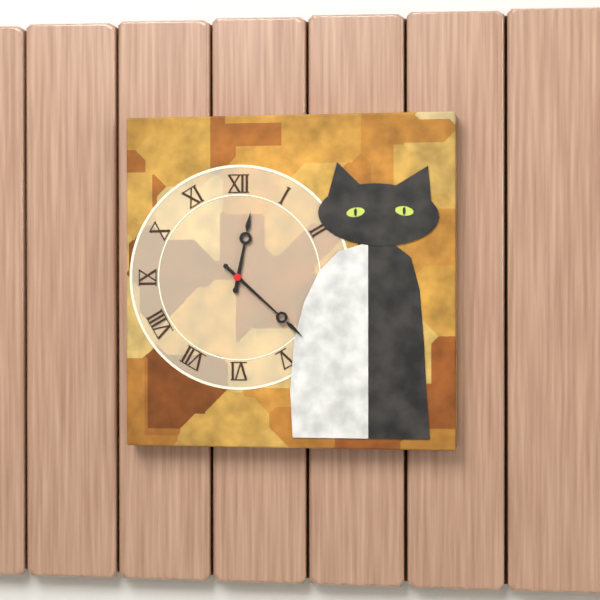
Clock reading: h=12 m=22
